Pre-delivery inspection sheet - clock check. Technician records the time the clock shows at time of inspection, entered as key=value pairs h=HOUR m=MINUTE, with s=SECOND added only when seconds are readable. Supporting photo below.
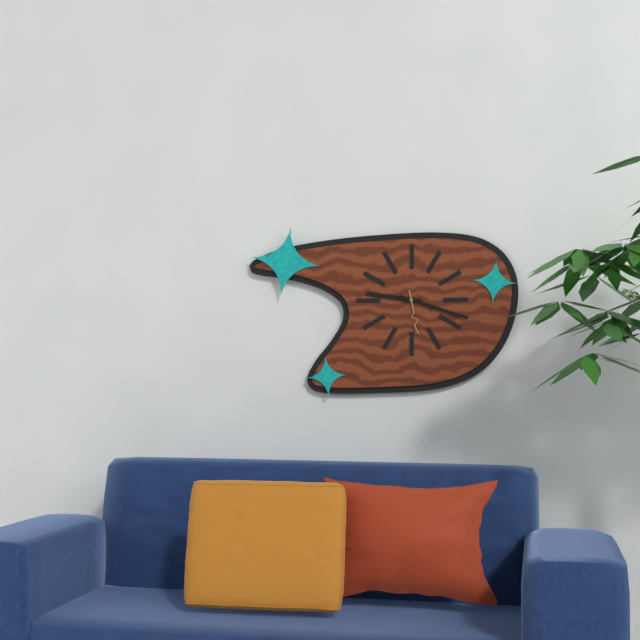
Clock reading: h=9 m=18
